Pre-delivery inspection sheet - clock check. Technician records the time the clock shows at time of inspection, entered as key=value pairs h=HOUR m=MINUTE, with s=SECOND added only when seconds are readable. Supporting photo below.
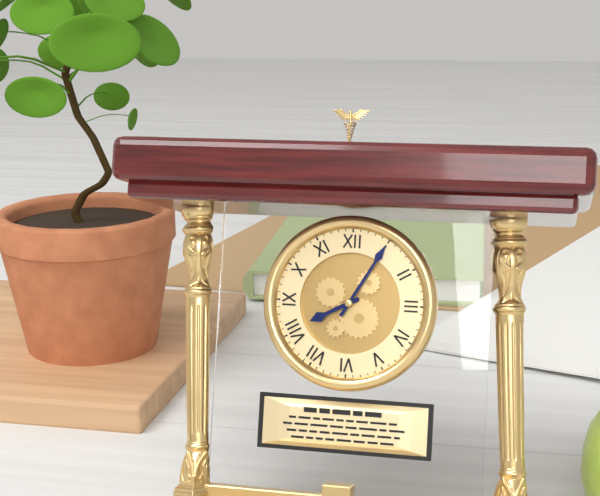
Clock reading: h=8 m=5
